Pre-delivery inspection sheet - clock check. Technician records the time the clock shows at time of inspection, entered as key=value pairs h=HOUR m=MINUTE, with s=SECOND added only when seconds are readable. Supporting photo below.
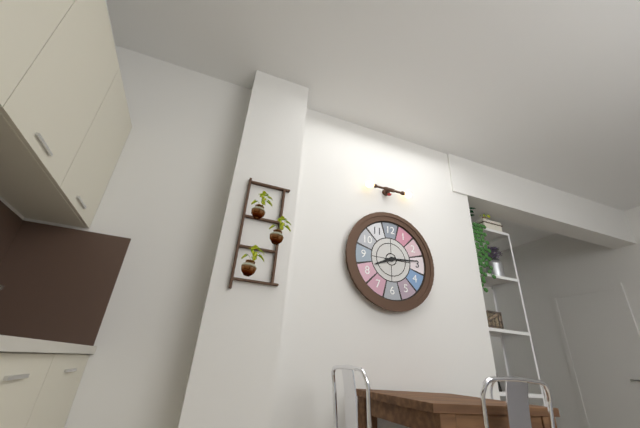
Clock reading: h=8 m=14
